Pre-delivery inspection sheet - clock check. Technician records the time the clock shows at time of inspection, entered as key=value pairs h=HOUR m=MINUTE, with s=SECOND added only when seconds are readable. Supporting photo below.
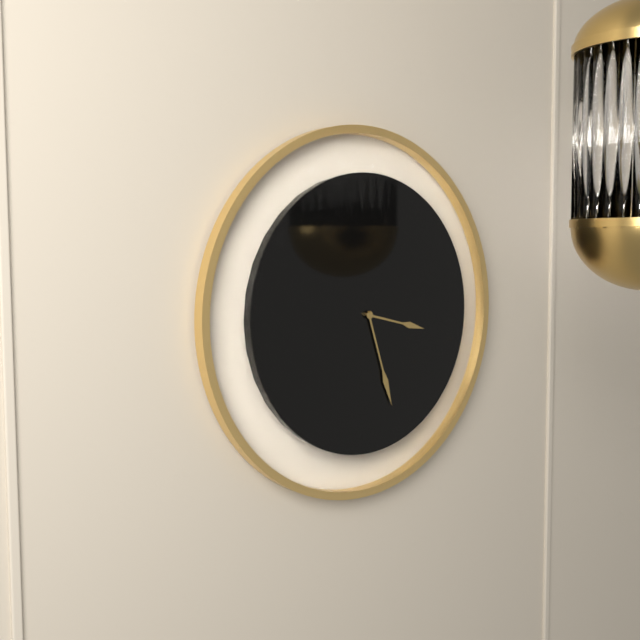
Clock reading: h=3 m=27
